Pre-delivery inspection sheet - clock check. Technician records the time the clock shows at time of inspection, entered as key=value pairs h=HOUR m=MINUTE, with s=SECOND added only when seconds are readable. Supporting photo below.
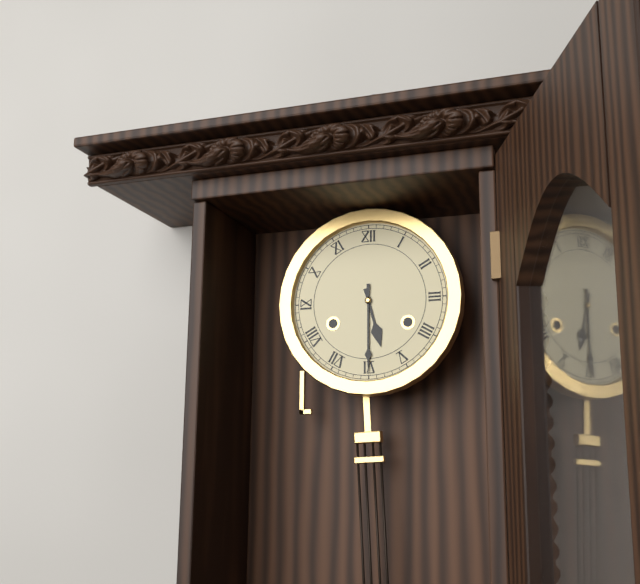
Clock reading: h=5 m=30
